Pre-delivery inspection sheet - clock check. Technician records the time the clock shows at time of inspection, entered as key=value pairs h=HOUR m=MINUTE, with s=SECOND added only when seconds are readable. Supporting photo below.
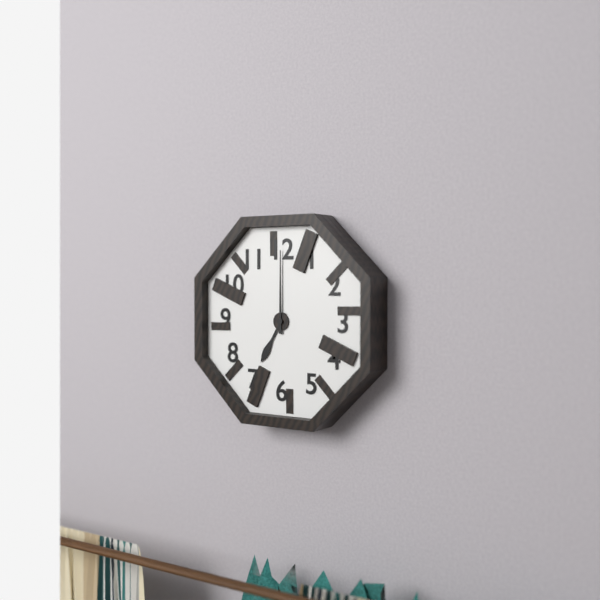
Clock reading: h=7 m=0
